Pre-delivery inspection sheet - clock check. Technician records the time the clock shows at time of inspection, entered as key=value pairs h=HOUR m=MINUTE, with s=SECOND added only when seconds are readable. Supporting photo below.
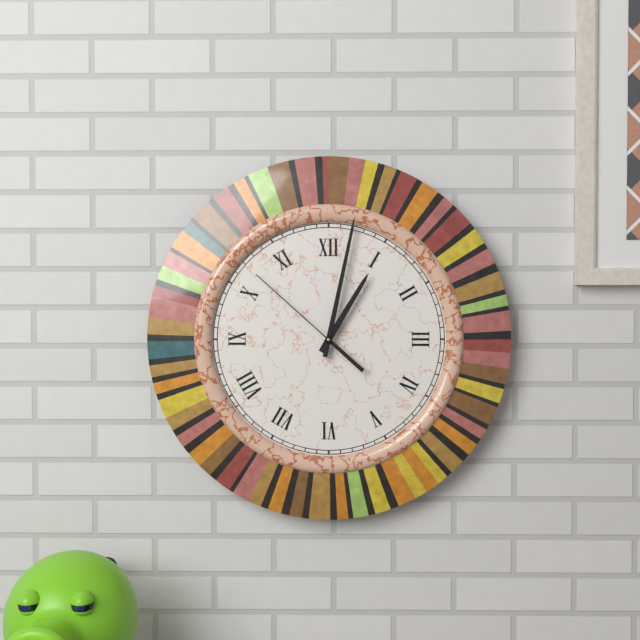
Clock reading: h=1 m=2 s=52
